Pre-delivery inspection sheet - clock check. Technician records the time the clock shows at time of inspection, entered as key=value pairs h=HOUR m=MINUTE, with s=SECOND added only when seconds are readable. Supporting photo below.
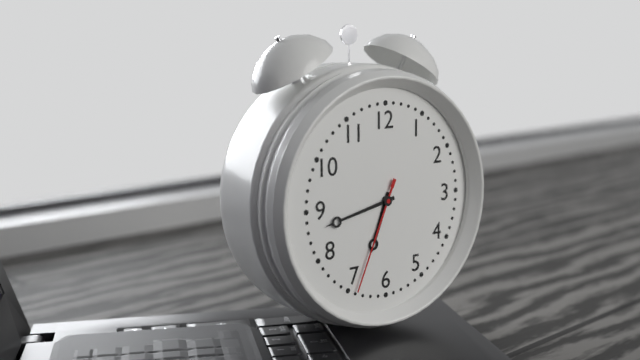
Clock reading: h=6 m=43 s=34
